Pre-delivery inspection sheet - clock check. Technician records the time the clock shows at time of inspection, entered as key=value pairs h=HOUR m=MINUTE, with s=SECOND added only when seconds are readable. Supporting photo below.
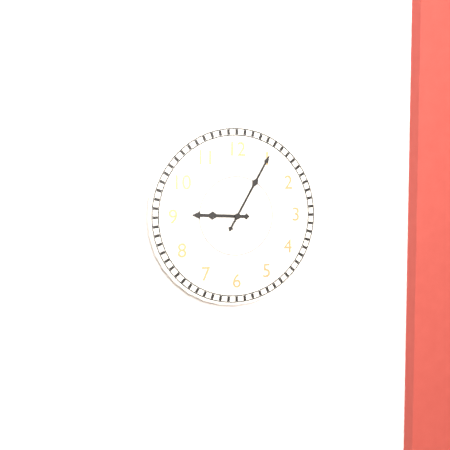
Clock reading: h=9 m=5
